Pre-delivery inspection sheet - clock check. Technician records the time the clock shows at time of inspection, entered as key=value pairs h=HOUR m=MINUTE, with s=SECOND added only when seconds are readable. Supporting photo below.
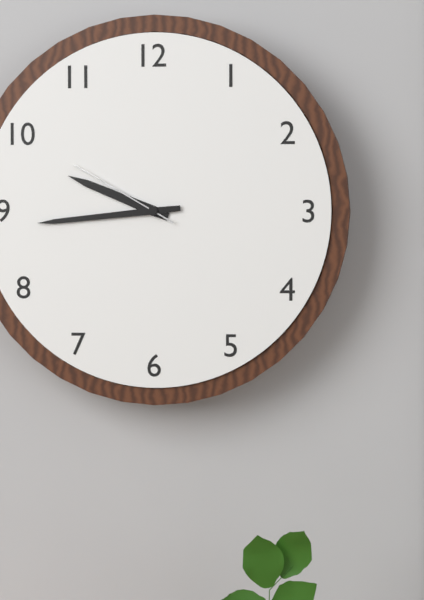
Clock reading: h=9 m=44 s=50
